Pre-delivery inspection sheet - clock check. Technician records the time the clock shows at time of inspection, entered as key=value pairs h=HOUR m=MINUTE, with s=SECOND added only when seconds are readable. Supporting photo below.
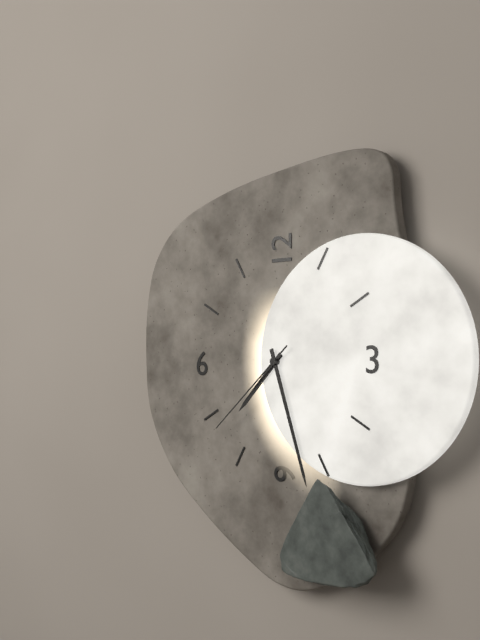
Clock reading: h=7 m=27 s=38
